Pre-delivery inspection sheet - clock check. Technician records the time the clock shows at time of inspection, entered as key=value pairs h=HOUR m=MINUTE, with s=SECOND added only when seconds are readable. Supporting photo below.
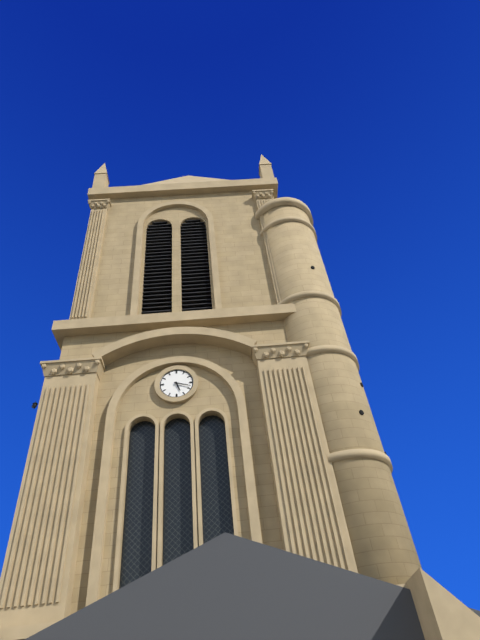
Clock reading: h=5 m=18
